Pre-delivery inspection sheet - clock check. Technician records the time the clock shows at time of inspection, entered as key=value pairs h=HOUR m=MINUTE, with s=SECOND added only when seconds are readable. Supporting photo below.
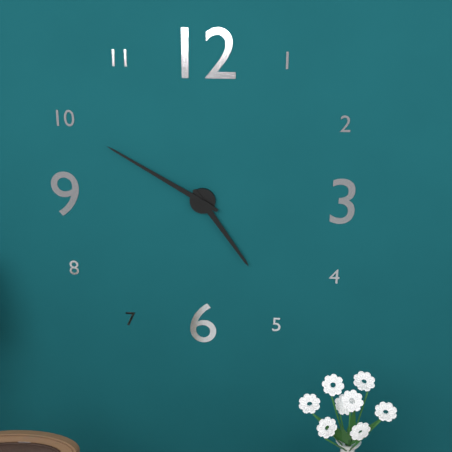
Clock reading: h=4 m=50
